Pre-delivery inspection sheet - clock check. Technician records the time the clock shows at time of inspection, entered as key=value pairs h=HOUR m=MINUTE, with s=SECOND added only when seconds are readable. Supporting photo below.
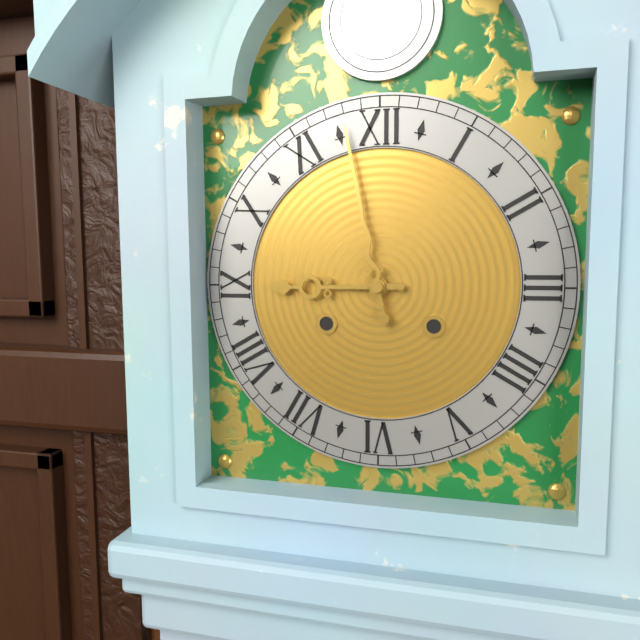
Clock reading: h=8 m=58
